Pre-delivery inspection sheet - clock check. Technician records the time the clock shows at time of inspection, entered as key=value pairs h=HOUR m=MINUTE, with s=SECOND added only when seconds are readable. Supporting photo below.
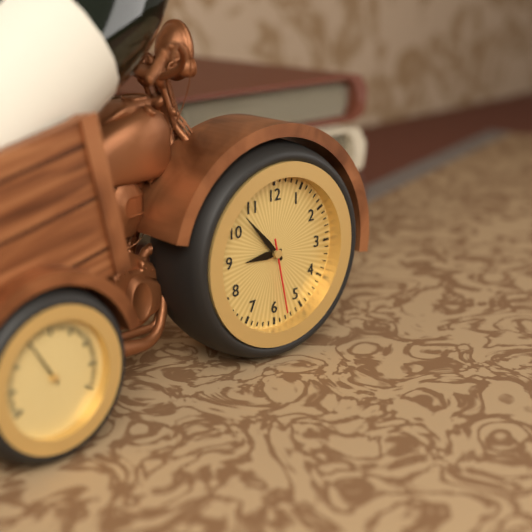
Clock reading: h=8 m=53 s=28
